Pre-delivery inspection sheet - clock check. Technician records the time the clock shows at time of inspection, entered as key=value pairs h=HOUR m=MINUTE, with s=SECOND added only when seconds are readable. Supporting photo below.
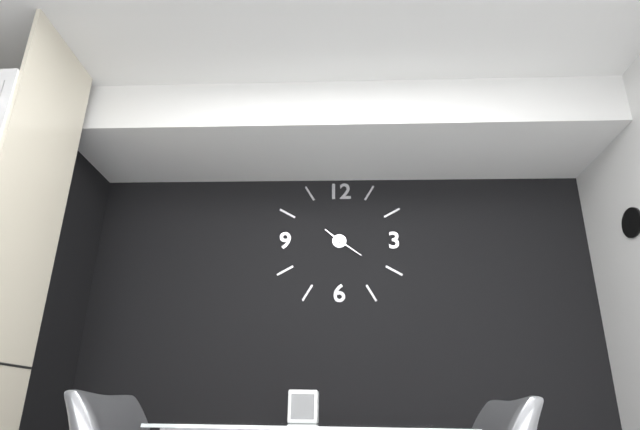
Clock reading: h=10 m=21
